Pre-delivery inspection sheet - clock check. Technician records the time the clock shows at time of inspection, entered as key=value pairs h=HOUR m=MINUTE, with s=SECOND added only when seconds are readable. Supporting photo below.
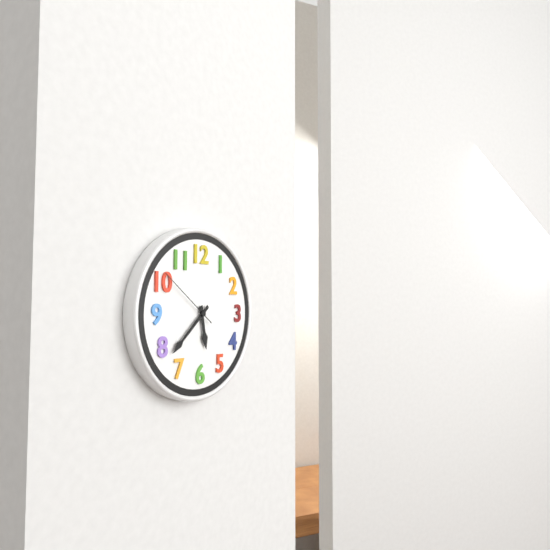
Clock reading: h=5 m=38 s=51
